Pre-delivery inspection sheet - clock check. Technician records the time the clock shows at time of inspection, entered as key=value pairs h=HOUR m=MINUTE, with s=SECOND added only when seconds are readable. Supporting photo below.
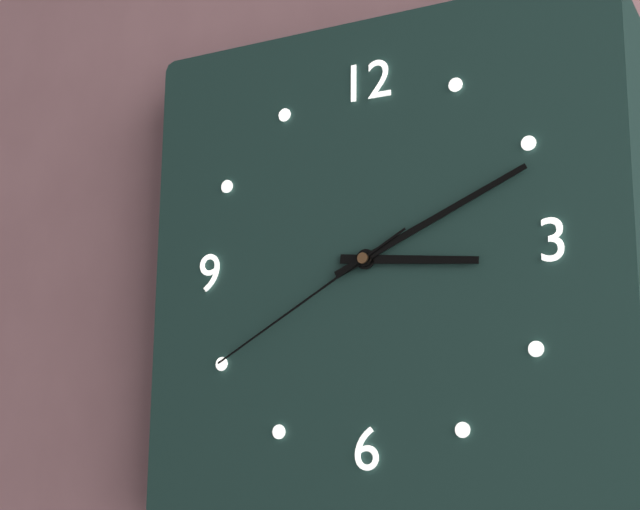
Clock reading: h=3 m=11 s=40
